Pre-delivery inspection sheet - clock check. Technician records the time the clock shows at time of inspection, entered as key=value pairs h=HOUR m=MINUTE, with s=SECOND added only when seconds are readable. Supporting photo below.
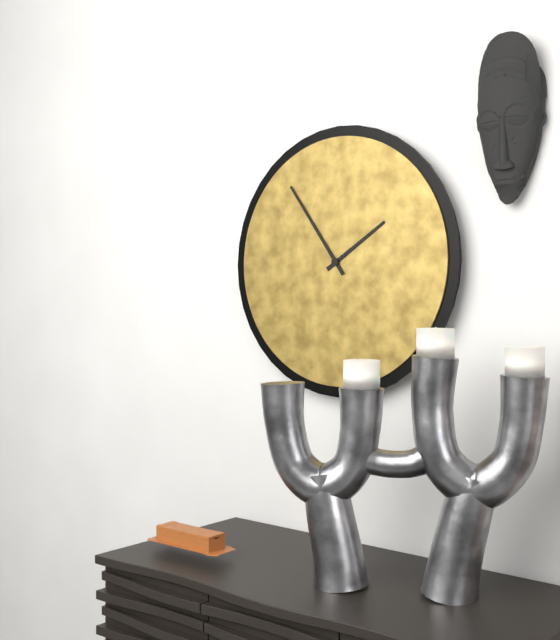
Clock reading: h=1 m=54
